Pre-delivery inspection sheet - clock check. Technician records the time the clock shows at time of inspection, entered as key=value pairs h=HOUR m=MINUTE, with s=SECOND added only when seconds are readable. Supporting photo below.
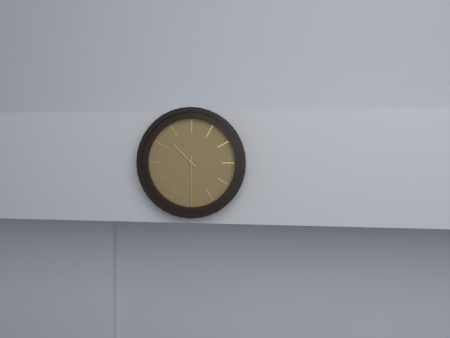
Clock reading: h=10 m=30
